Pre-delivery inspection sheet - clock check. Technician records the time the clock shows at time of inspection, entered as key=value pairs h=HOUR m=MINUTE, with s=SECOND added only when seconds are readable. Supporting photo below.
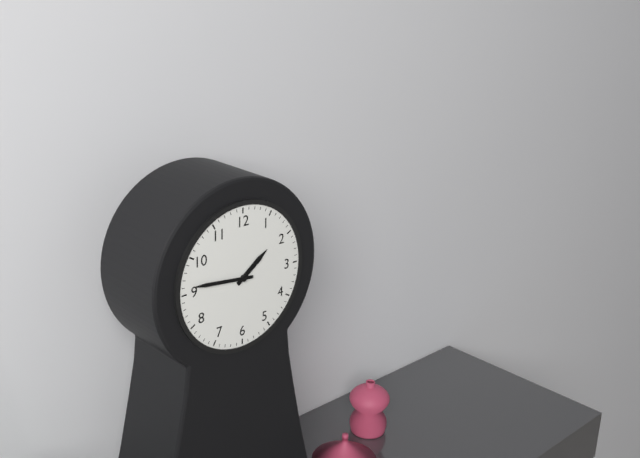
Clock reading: h=1 m=46
